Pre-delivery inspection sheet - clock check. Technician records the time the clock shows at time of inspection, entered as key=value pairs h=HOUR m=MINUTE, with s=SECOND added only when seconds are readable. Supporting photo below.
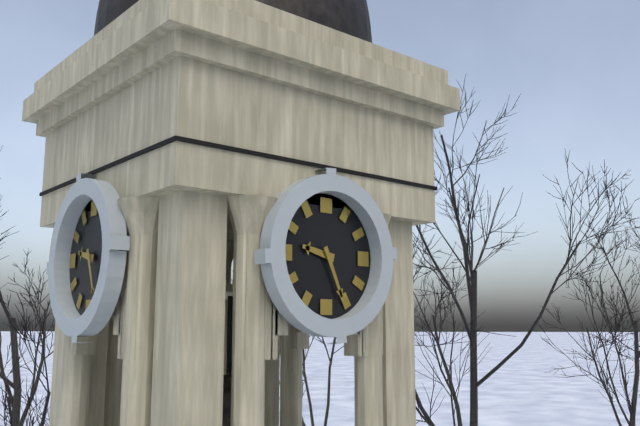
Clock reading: h=9 m=26
